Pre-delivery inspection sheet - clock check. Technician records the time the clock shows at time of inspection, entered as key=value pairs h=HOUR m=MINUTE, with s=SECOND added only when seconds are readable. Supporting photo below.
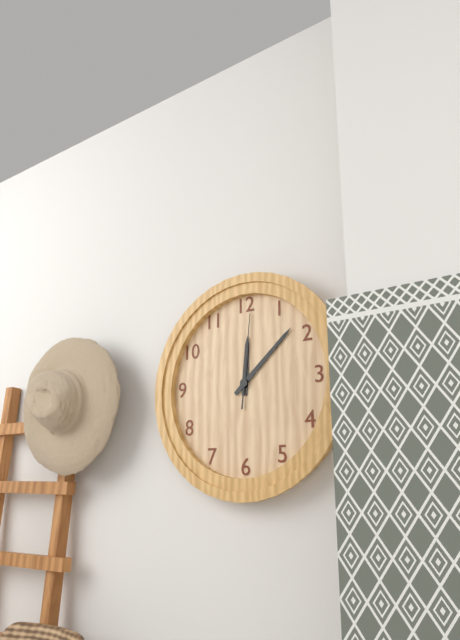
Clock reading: h=12 m=8 s=1
